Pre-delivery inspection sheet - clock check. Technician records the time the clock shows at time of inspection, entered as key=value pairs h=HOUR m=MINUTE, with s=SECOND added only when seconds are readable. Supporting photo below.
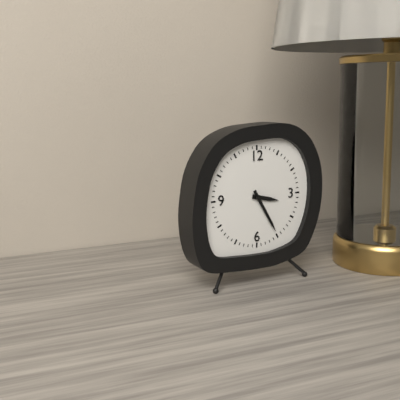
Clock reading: h=3 m=25
